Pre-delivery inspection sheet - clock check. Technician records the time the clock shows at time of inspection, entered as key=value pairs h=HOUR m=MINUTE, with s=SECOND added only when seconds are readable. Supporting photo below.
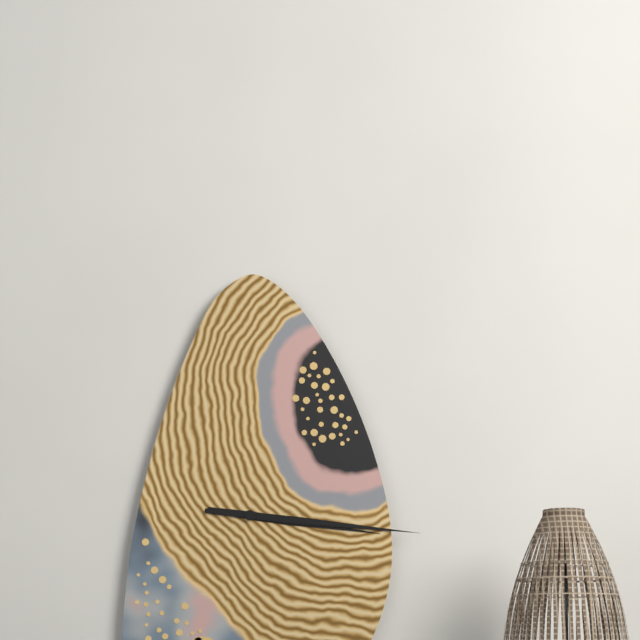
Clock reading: h=3 m=16
